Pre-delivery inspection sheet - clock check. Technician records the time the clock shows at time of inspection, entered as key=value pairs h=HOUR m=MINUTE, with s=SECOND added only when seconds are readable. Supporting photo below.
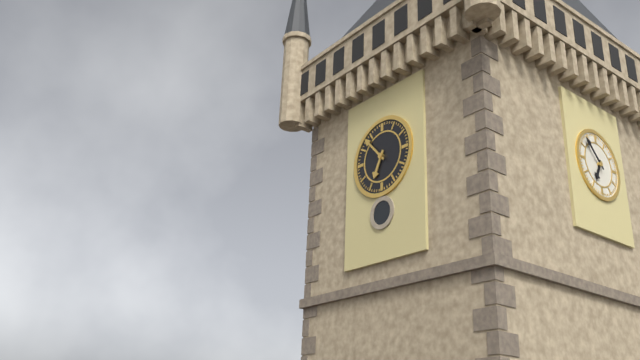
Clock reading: h=6 m=53
